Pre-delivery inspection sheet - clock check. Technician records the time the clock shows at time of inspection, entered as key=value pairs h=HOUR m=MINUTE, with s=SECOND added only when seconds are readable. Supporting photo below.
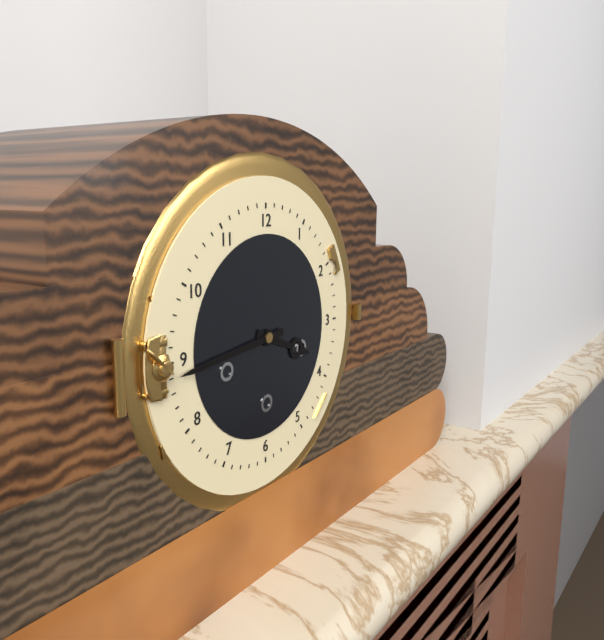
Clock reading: h=3 m=44
